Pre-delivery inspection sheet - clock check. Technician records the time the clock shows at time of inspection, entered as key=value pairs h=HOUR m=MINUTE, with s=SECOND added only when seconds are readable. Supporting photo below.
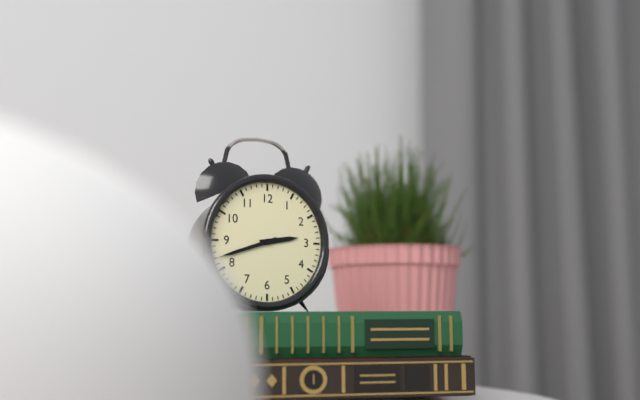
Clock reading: h=2 m=42
